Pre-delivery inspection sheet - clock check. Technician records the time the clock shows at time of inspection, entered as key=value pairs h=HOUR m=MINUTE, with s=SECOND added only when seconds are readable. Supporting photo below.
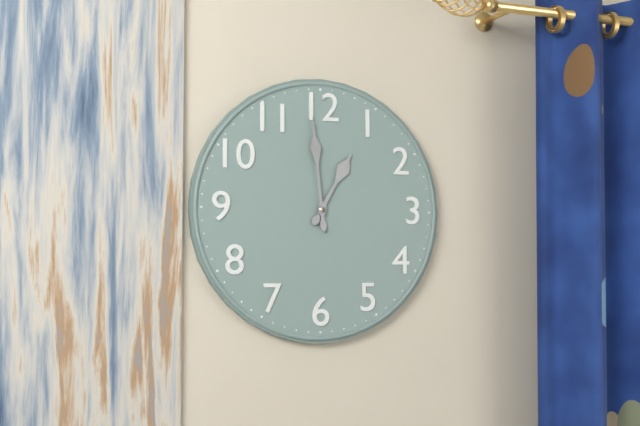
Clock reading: h=12 m=59
